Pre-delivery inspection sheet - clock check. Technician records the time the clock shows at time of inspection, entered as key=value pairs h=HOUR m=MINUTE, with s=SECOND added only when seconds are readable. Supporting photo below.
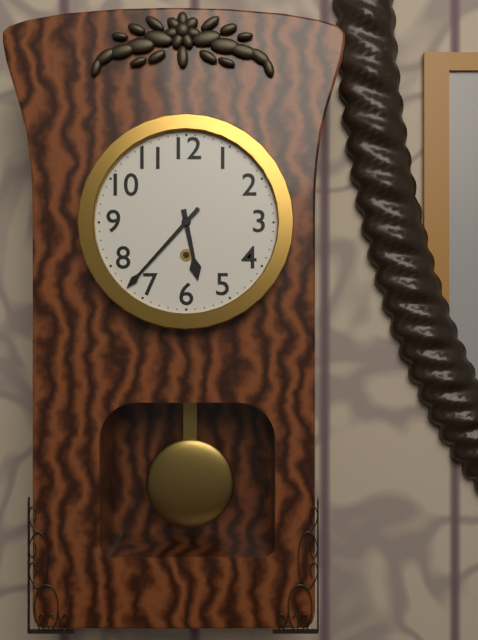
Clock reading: h=5 m=37
